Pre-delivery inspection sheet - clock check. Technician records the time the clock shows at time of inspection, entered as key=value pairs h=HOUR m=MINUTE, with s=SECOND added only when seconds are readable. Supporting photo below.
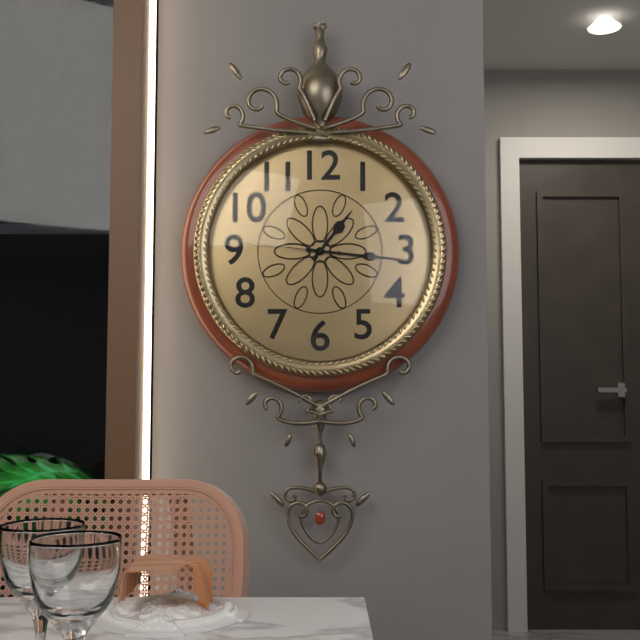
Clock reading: h=1 m=16 s=46
